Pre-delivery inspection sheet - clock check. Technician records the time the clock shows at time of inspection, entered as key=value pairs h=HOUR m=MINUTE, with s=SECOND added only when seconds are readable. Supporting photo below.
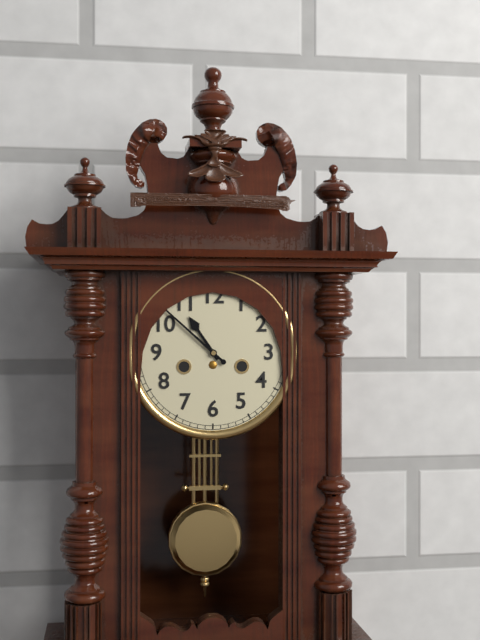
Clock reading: h=10 m=52
